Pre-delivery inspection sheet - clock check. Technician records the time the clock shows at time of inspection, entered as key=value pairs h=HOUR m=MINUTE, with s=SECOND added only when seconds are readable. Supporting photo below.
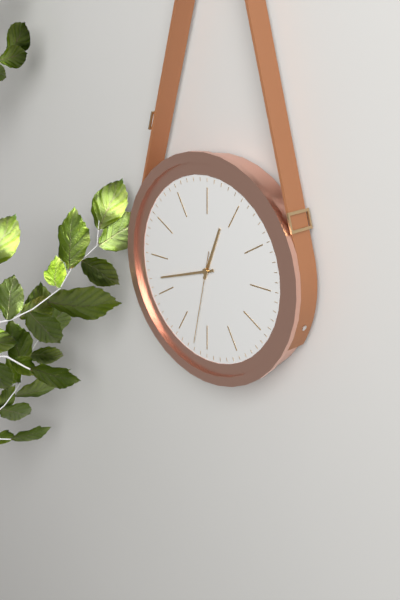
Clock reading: h=12 m=42 s=32
